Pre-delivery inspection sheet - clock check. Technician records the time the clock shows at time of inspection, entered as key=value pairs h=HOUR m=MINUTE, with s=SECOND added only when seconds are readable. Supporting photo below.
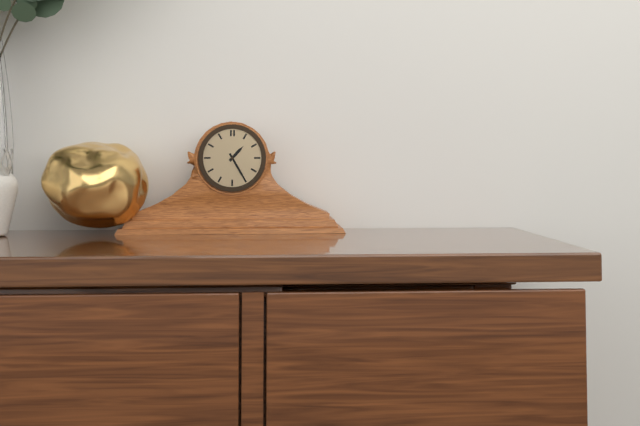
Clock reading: h=1 m=25
